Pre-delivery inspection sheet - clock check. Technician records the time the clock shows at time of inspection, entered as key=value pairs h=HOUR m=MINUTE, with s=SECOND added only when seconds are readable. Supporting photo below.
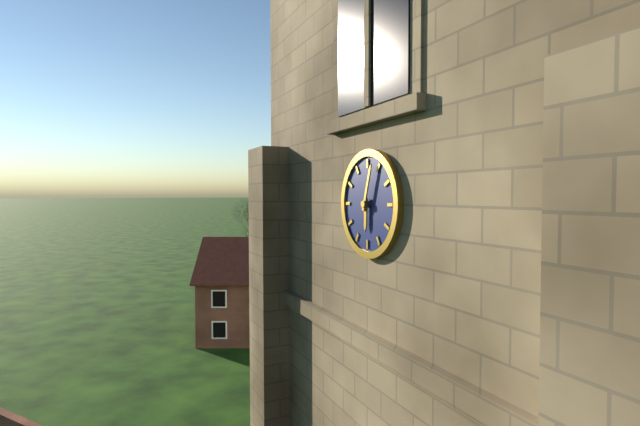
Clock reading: h=6 m=3
